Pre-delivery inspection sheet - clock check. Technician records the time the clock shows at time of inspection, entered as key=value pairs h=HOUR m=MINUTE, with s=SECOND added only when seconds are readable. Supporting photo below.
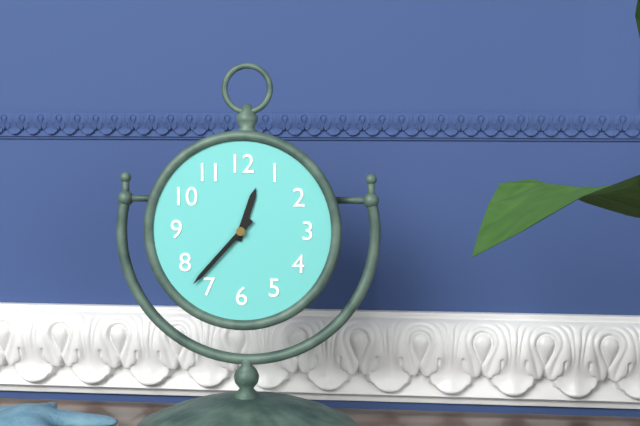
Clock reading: h=12 m=37
